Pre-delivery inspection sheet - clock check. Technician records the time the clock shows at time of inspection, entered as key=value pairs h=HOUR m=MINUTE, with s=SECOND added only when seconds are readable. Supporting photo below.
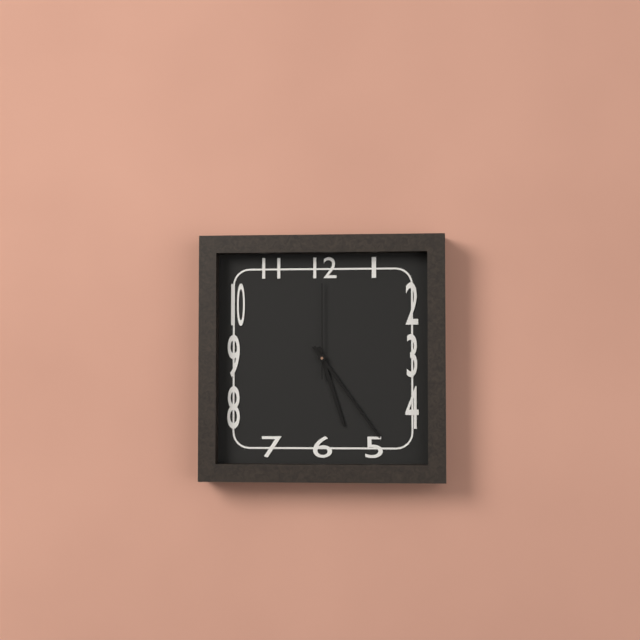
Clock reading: h=5 m=24 s=0
